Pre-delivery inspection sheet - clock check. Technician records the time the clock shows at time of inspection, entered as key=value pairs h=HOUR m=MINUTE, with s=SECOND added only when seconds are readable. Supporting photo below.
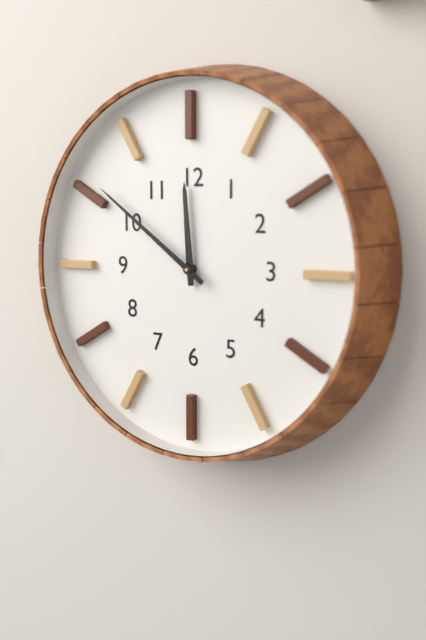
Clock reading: h=11 m=51
